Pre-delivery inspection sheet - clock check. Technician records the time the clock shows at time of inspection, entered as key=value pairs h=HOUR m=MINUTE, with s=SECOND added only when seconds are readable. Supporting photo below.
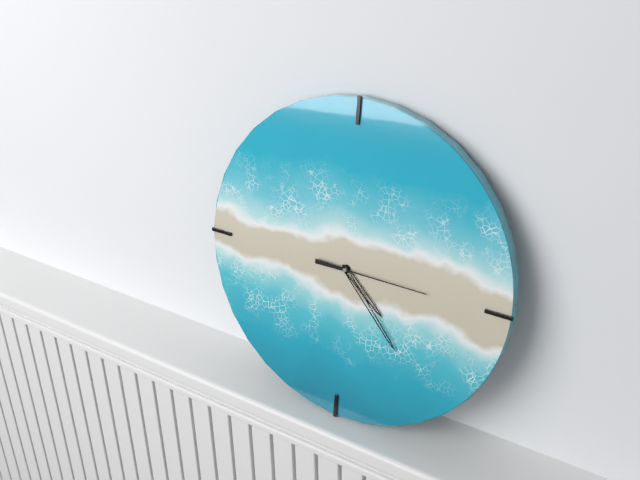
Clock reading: h=4 m=23 s=15
